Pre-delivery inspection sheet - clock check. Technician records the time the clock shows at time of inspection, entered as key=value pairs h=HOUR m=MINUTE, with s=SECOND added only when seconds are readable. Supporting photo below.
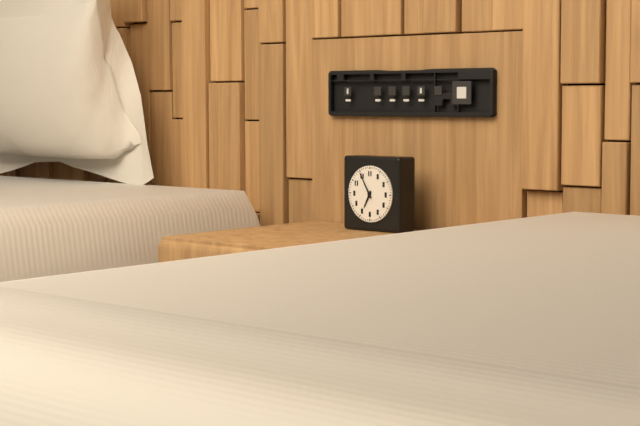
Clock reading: h=6 m=55
